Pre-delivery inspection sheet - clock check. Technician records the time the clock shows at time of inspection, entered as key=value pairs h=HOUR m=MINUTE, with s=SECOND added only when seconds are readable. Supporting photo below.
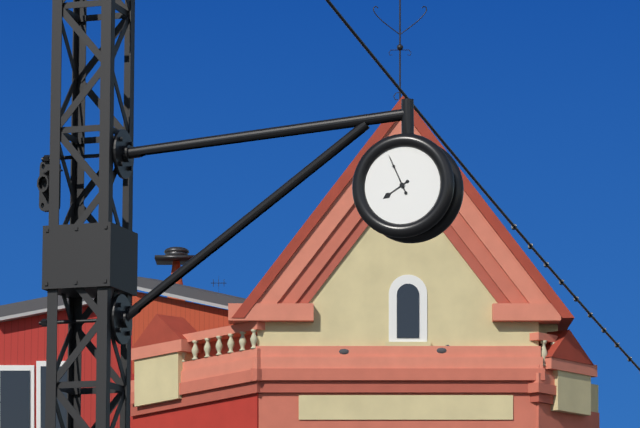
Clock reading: h=7 m=56
